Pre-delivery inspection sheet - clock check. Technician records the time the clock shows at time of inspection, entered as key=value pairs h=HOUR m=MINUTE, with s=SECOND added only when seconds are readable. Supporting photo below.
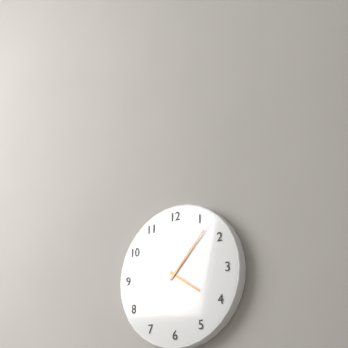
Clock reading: h=4 m=7
